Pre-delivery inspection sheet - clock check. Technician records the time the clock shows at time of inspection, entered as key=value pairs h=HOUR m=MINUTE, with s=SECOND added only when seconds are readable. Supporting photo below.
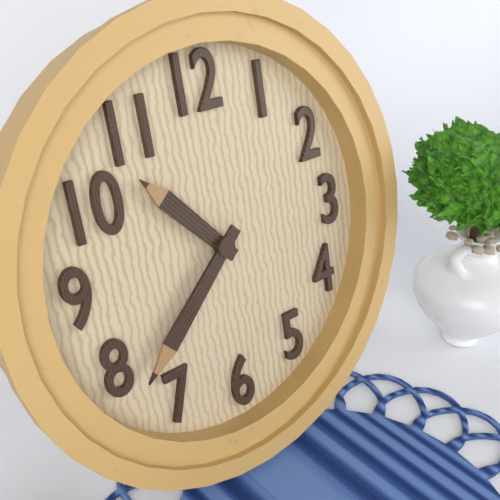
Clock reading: h=10 m=38
